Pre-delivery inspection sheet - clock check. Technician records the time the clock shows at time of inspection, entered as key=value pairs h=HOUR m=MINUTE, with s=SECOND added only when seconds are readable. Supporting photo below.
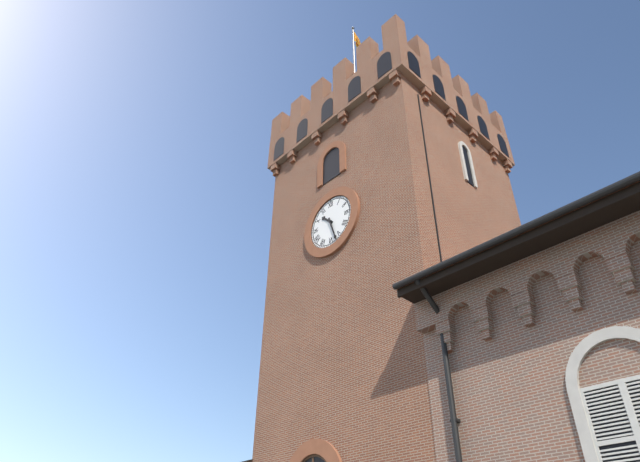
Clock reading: h=10 m=27
